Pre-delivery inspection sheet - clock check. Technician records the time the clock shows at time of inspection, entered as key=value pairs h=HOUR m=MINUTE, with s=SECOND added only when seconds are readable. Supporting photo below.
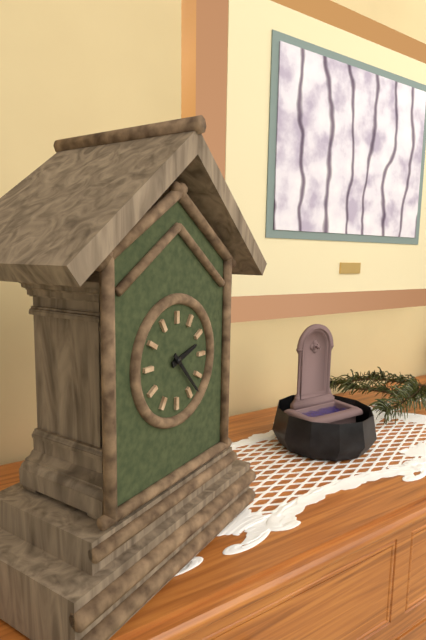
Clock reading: h=2 m=23
